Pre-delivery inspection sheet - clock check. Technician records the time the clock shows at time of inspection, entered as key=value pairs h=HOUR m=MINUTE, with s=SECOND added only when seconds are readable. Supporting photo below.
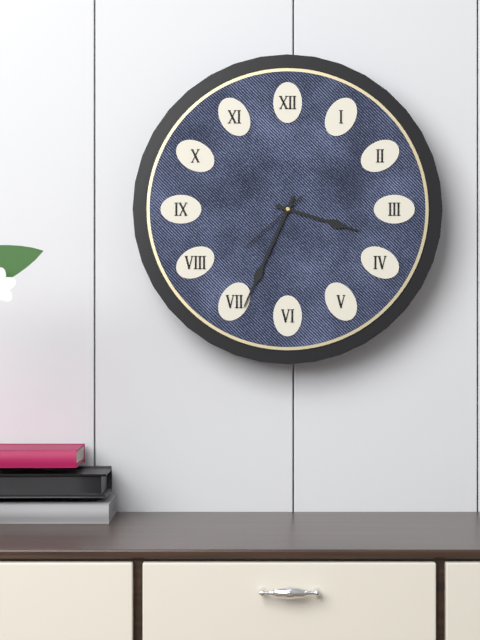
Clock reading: h=3 m=34 s=38
